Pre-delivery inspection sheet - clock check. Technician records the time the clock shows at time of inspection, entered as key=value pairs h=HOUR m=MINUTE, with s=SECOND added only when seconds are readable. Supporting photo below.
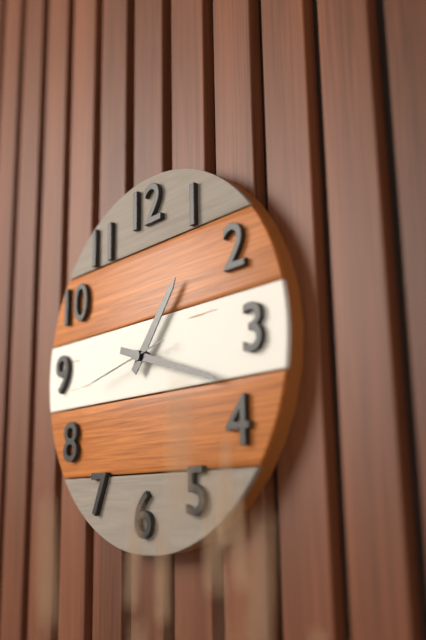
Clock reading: h=1 m=18 s=43
